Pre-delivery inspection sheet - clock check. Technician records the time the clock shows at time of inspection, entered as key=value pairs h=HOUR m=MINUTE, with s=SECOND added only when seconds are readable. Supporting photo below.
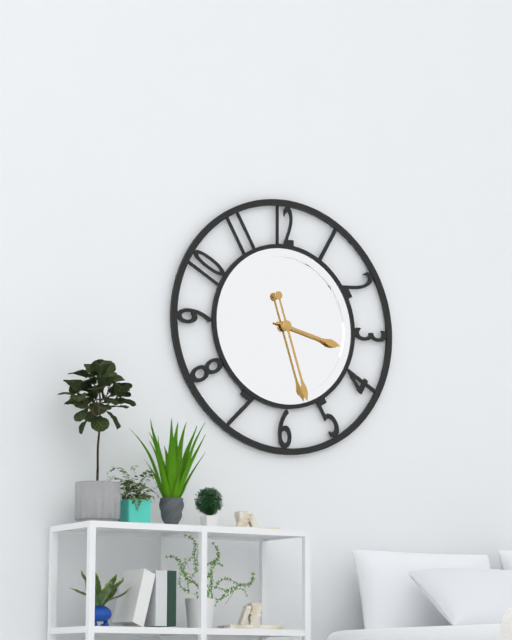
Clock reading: h=3 m=27
